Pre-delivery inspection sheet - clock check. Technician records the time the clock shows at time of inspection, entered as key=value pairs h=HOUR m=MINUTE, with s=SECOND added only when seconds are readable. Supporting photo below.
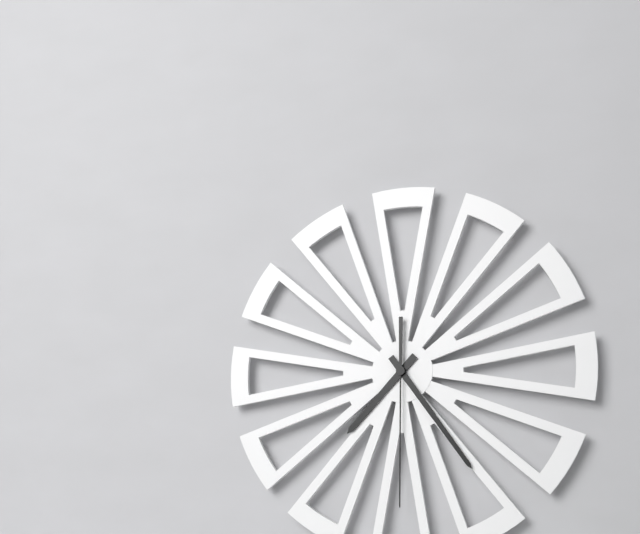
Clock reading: h=7 m=24 s=30
